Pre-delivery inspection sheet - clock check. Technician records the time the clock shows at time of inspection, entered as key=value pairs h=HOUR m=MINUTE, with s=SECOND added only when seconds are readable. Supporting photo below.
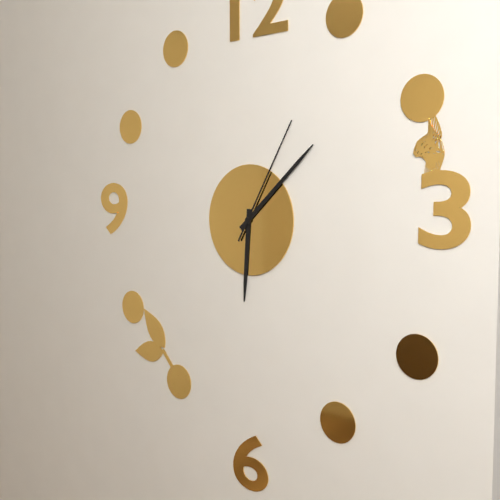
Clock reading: h=6 m=8 s=5
